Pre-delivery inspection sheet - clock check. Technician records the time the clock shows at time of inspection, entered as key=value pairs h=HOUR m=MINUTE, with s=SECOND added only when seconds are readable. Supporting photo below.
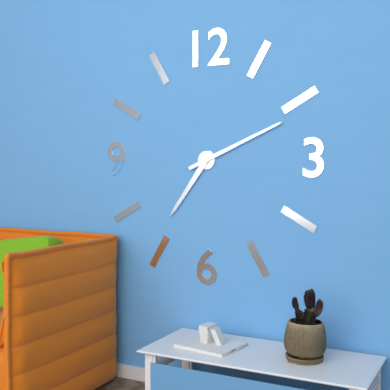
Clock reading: h=7 m=11
